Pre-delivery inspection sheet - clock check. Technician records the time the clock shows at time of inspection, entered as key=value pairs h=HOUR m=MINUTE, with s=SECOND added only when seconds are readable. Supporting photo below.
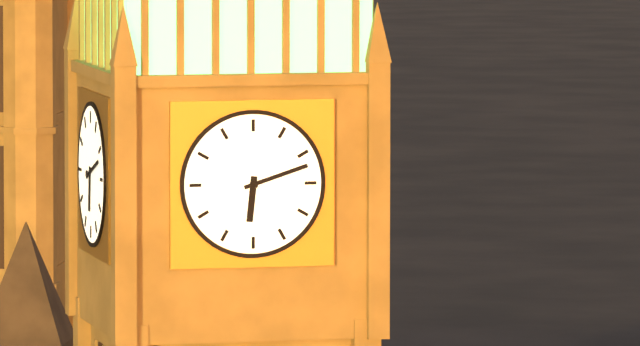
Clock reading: h=6 m=12
